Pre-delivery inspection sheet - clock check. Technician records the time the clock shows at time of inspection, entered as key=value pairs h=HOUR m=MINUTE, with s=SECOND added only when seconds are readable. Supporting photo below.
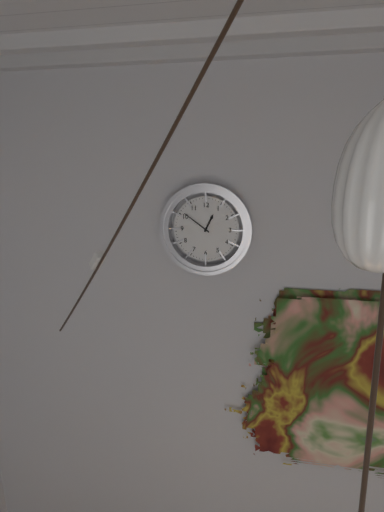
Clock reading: h=12 m=51
